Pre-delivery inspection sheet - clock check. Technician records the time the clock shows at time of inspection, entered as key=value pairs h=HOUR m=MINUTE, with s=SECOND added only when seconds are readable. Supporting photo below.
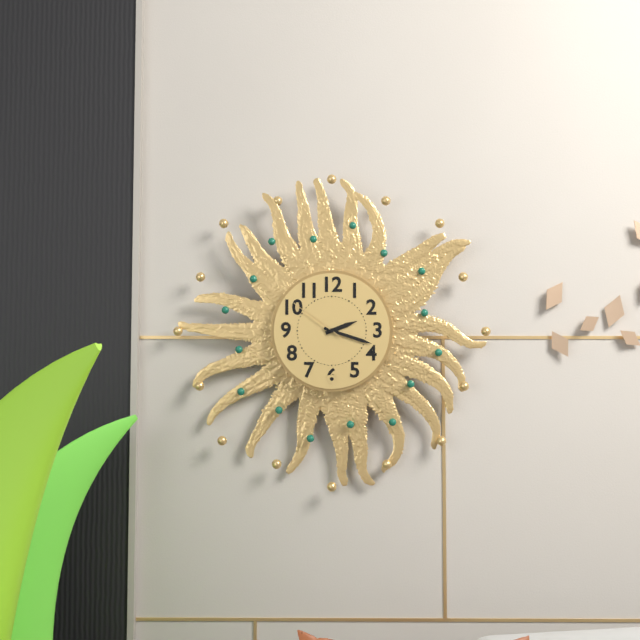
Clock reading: h=2 m=18 s=51
